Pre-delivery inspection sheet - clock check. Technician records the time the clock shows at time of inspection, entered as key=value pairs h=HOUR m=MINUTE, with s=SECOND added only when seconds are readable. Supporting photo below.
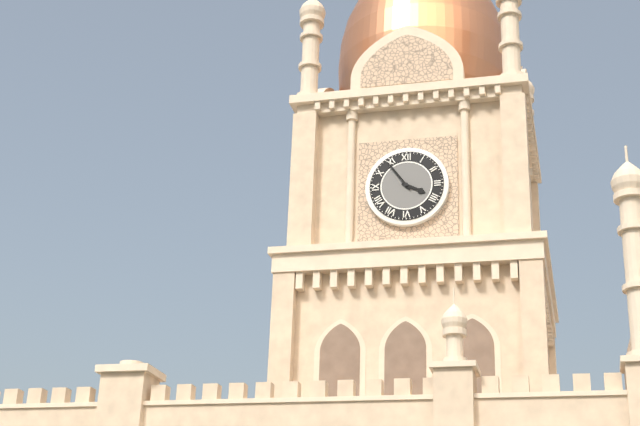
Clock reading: h=3 m=54
